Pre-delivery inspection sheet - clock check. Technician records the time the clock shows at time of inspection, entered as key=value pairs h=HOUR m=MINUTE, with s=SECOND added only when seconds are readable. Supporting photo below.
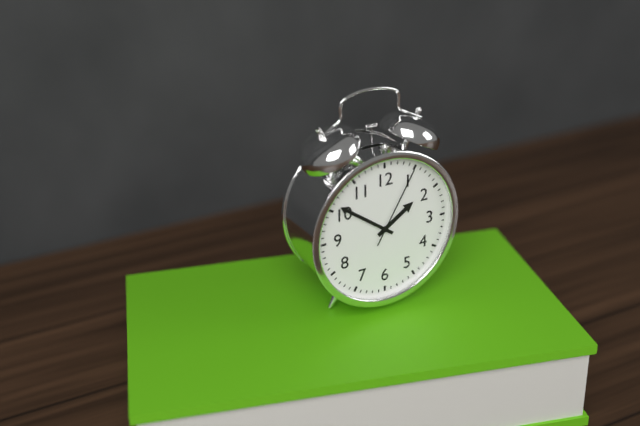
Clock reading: h=1 m=51 s=5
